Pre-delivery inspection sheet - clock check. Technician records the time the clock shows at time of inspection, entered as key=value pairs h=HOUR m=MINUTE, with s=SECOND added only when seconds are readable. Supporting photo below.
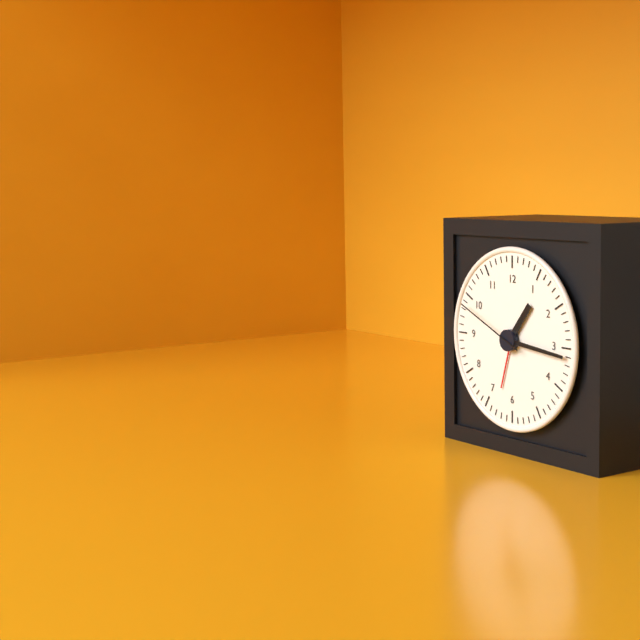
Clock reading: h=1 m=16 s=49
